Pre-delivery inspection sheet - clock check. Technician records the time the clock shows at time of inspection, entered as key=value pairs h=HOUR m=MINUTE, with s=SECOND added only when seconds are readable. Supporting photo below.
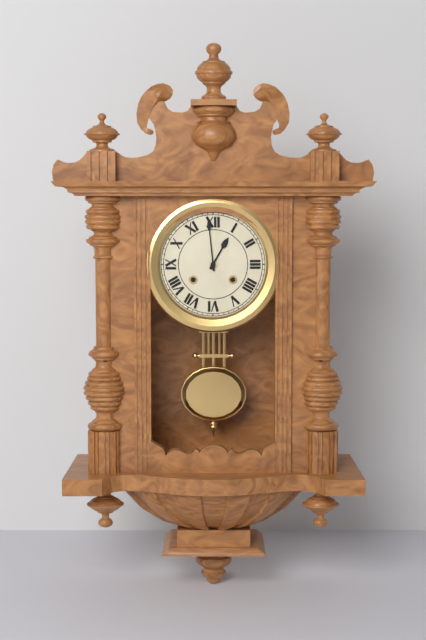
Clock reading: h=12 m=59
